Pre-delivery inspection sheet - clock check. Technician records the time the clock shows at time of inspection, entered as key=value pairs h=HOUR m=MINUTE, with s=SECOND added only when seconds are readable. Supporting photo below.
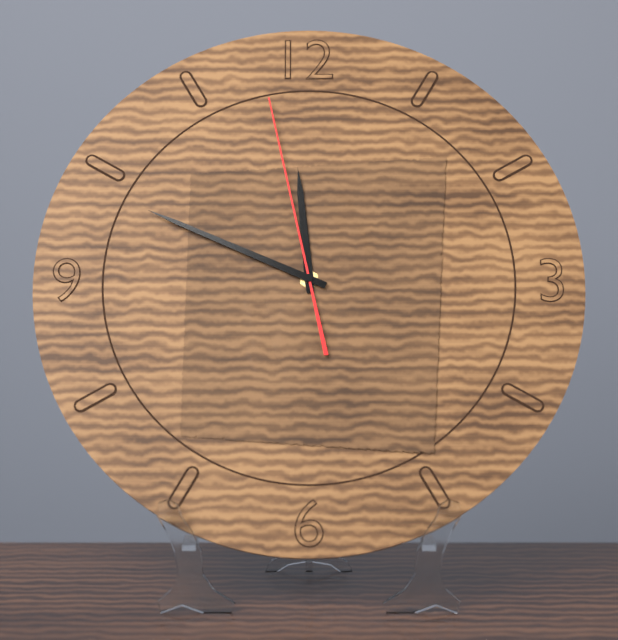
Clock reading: h=11 m=49 s=58
